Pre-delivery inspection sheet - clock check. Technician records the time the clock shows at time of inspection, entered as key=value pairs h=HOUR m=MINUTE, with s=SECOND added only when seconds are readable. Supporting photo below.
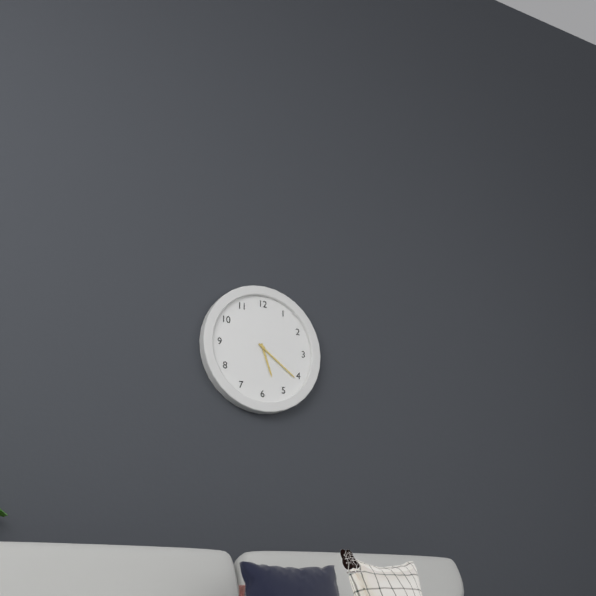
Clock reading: h=5 m=21
